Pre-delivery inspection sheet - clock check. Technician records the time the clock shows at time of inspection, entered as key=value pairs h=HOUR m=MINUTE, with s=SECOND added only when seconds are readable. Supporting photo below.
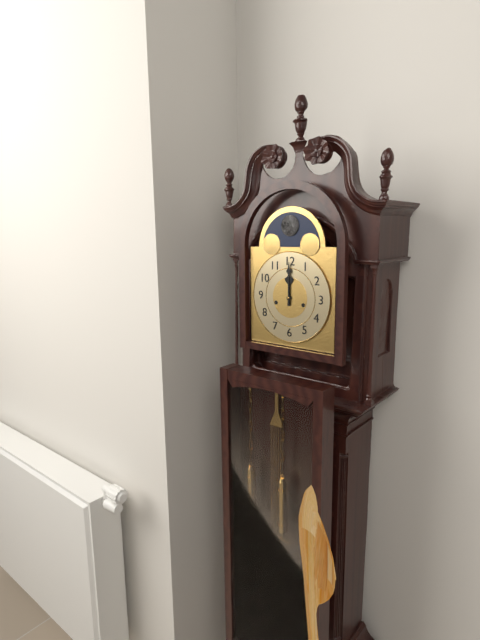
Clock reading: h=12 m=0
